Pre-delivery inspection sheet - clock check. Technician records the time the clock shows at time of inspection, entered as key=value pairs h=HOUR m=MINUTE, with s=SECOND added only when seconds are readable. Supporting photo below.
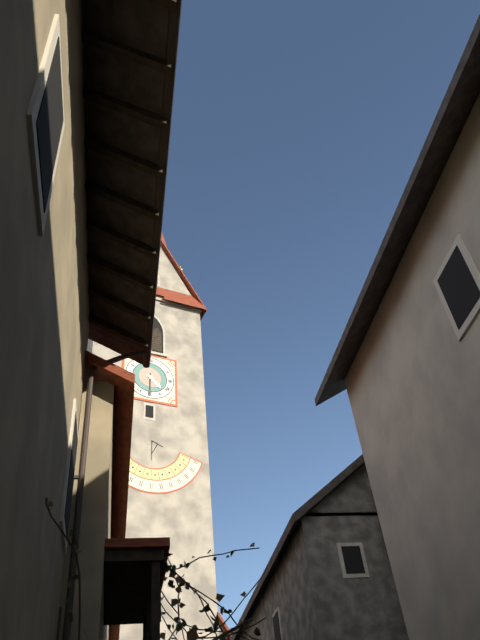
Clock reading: h=4 m=30
